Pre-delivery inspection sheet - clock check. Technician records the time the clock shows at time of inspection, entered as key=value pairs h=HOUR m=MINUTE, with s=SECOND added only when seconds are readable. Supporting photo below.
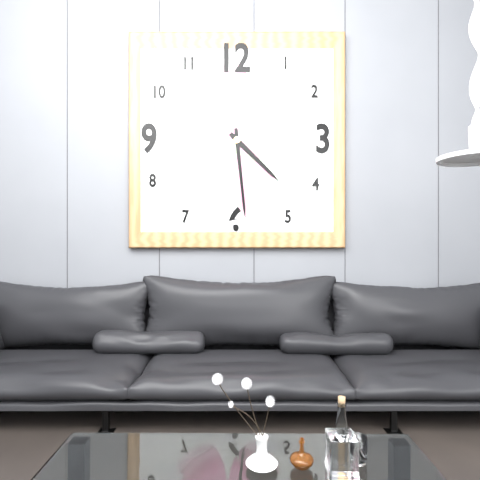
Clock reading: h=4 m=29
